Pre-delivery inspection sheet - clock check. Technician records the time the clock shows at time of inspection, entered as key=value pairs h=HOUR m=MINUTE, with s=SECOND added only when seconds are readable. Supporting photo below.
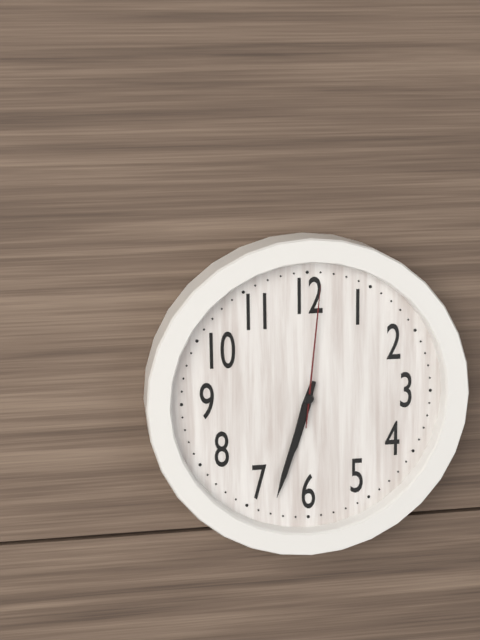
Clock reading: h=6 m=33 s=1
